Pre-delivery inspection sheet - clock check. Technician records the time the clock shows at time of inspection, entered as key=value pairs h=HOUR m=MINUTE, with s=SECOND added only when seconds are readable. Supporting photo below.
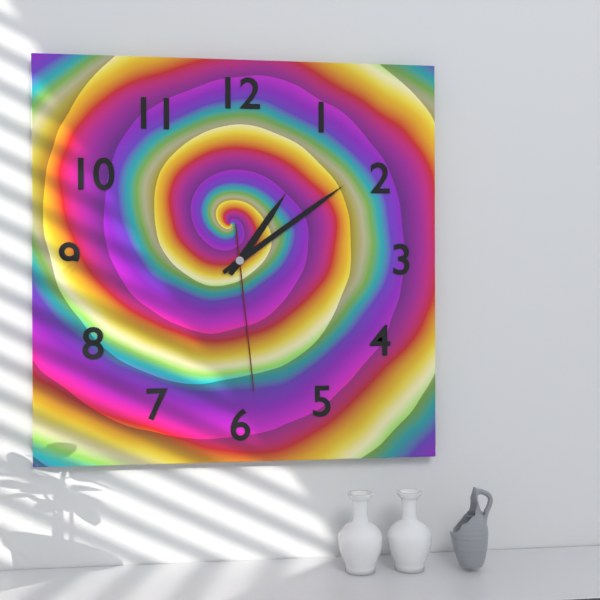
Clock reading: h=1 m=9 s=29
